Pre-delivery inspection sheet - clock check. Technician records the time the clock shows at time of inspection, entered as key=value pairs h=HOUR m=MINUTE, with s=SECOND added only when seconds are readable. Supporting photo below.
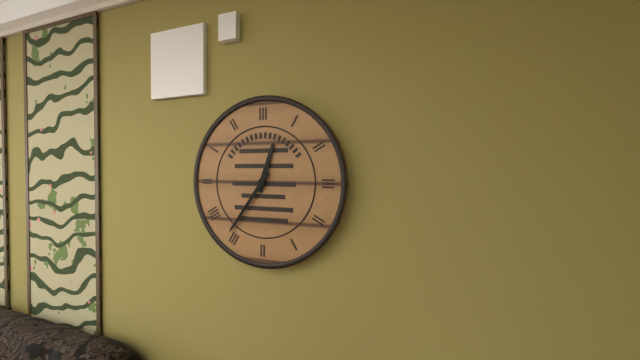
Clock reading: h=12 m=36
